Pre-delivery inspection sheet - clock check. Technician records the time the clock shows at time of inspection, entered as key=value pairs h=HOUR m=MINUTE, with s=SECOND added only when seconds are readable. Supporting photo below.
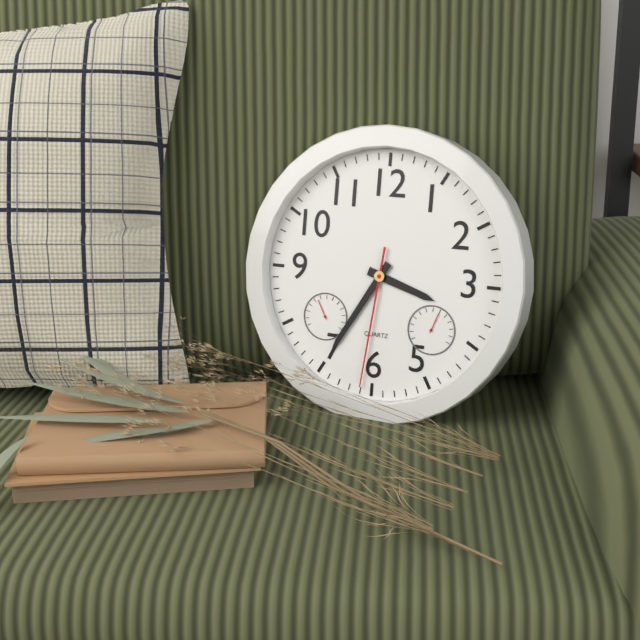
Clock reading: h=3 m=35 s=31
